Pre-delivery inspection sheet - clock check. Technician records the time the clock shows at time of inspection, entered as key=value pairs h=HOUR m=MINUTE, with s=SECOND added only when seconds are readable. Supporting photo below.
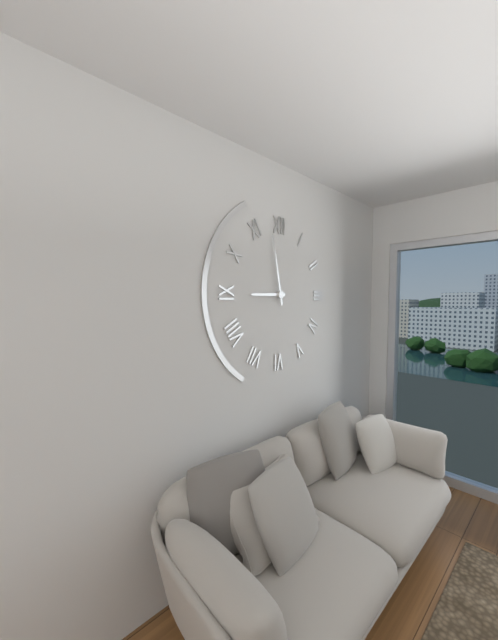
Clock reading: h=8 m=58
